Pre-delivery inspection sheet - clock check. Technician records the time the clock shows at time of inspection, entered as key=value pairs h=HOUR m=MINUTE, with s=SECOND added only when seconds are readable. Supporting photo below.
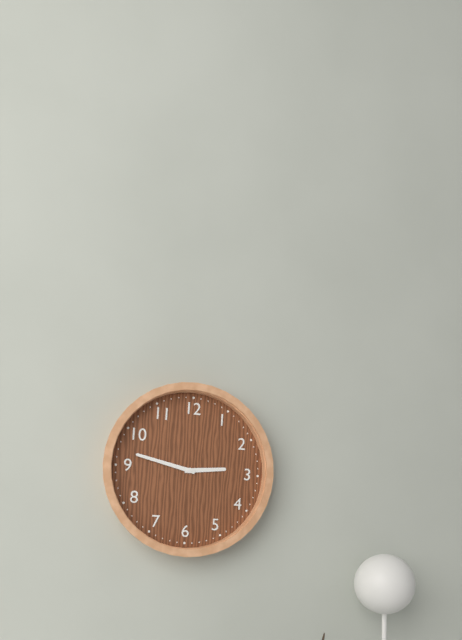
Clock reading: h=2 m=47
